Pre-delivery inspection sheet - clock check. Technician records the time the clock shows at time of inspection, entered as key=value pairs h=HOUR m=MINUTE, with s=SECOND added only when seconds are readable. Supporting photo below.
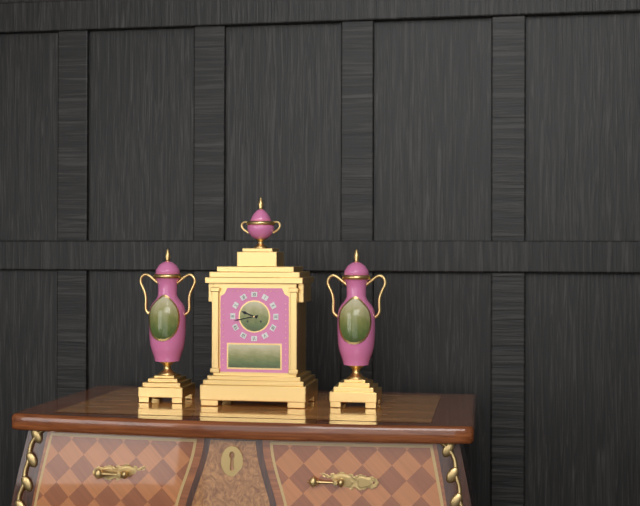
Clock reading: h=9 m=43
